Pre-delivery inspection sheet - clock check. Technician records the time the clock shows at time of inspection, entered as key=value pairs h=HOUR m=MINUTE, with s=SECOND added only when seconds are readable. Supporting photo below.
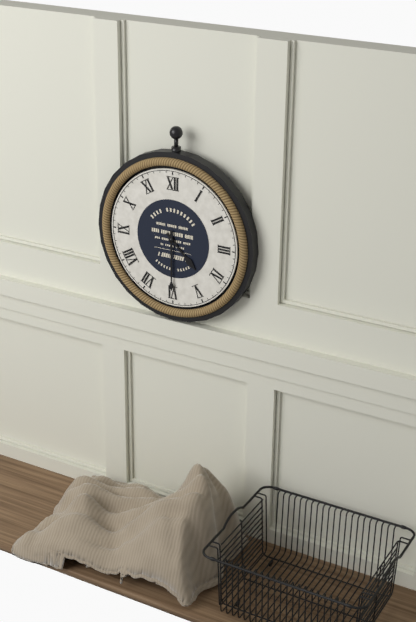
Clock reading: h=4 m=30
